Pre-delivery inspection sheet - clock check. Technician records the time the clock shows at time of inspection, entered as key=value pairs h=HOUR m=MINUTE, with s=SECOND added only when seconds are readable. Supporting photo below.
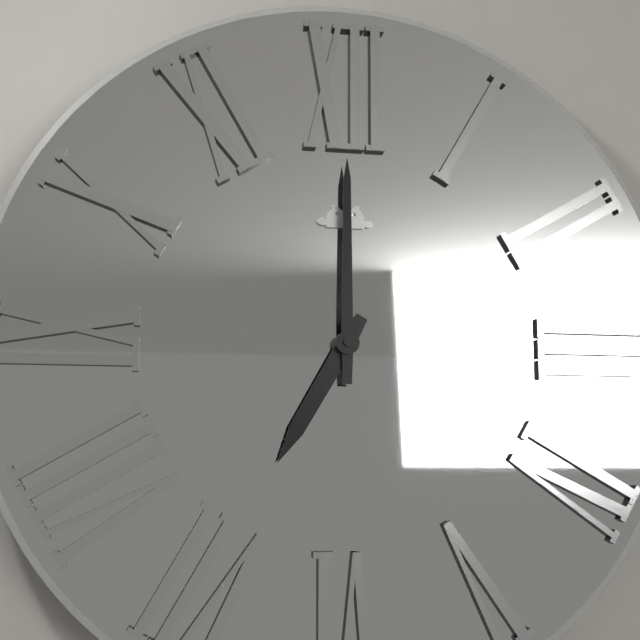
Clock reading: h=7 m=0
